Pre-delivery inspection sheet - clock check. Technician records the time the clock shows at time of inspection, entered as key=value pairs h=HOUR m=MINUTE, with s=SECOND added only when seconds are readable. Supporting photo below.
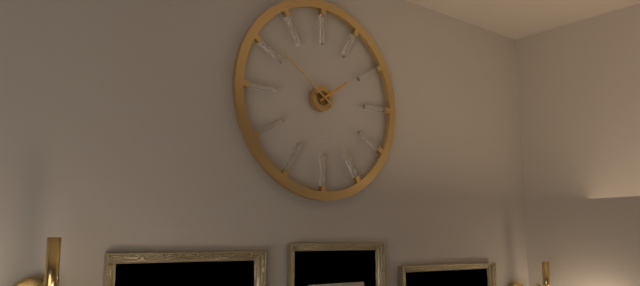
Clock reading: h=1 m=51
